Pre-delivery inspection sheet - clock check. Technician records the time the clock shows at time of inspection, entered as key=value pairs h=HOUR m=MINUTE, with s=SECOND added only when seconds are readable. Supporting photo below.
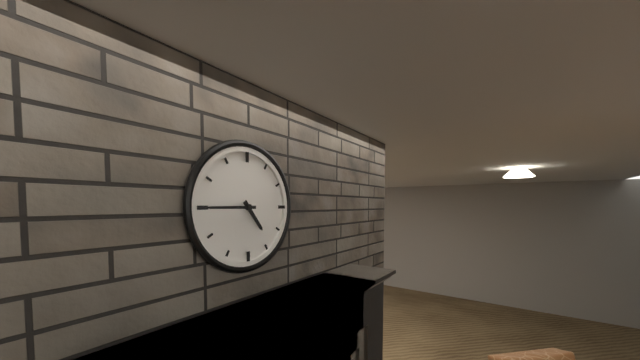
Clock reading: h=4 m=45
